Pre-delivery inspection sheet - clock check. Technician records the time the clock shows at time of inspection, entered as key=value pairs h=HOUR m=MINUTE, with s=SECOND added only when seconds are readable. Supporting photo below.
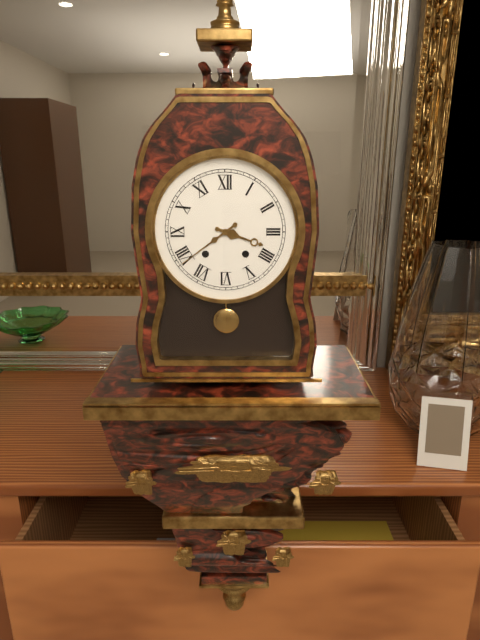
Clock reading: h=3 m=39
